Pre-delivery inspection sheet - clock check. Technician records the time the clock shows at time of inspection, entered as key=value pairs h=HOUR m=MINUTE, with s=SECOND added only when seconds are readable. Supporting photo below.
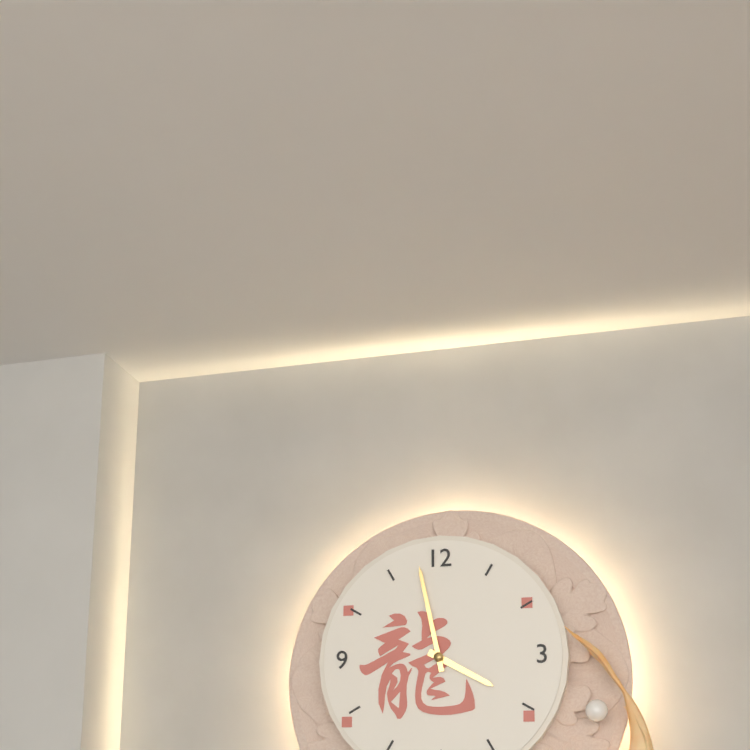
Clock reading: h=3 m=58
